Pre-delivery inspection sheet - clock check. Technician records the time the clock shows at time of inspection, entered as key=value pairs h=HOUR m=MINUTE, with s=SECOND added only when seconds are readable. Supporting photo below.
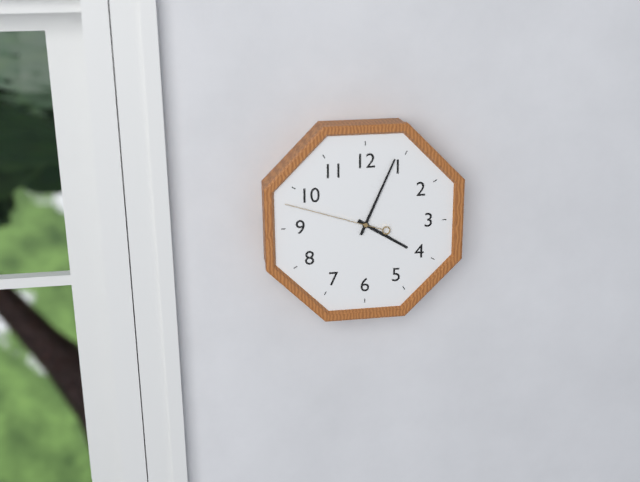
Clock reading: h=4 m=4 s=48
